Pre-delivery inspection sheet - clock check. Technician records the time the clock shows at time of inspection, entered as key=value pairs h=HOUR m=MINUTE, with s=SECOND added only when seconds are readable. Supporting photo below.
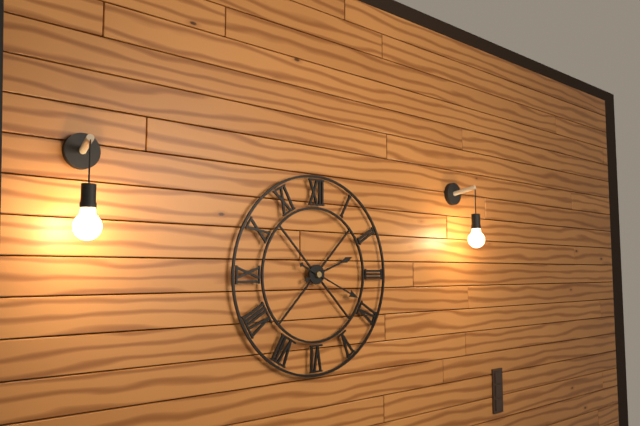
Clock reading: h=2 m=19
